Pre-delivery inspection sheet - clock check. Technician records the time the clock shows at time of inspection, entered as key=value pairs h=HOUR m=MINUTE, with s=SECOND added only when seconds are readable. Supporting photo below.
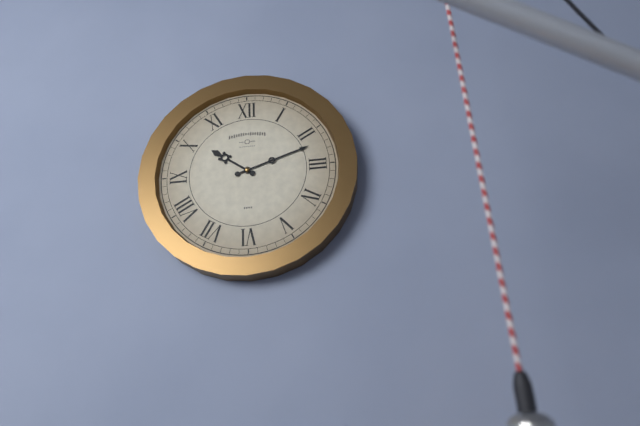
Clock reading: h=10 m=12
